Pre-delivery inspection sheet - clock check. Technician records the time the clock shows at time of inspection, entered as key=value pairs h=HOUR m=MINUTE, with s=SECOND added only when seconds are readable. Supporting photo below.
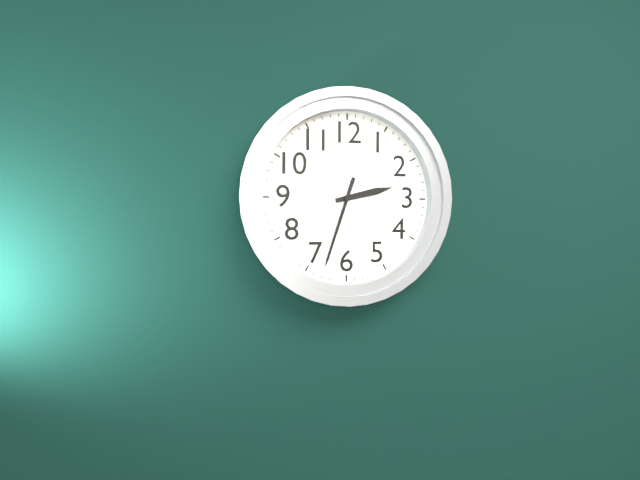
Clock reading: h=2 m=33
